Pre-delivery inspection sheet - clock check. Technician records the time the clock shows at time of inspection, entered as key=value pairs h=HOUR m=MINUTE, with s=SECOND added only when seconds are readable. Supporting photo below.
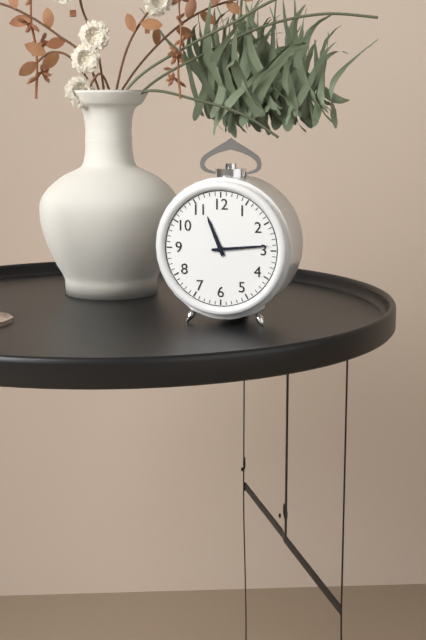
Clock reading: h=11 m=14
